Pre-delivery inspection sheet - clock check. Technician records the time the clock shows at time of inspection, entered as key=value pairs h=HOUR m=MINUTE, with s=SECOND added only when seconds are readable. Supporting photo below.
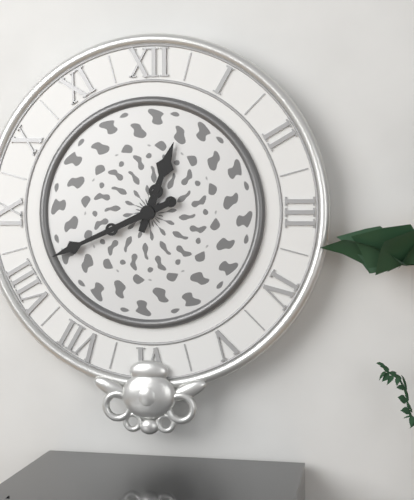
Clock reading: h=12 m=41
